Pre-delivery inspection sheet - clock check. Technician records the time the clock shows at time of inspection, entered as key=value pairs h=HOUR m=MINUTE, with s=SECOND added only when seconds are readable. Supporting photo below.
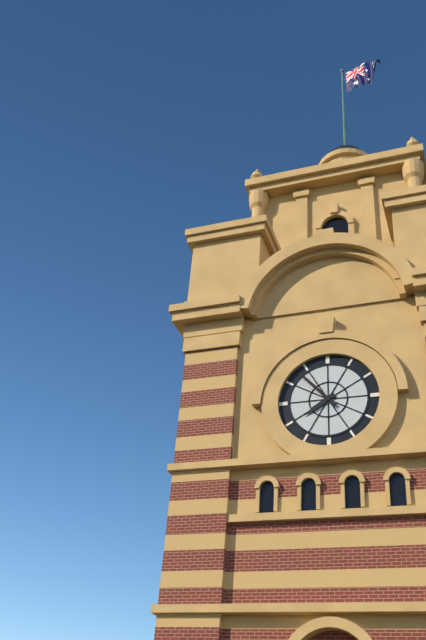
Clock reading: h=7 m=53
